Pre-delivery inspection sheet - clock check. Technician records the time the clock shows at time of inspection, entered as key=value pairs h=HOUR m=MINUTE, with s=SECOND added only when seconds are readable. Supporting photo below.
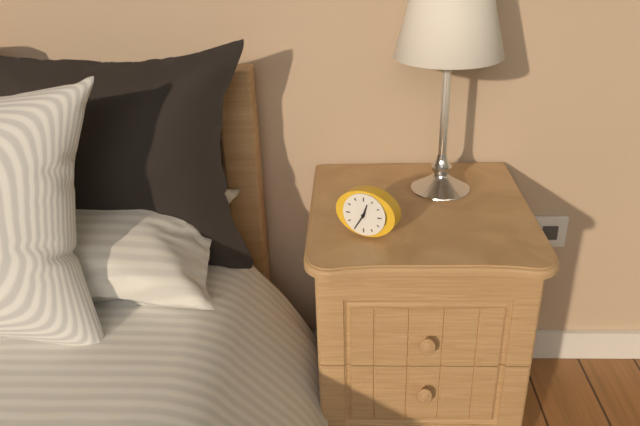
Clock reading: h=12 m=35
